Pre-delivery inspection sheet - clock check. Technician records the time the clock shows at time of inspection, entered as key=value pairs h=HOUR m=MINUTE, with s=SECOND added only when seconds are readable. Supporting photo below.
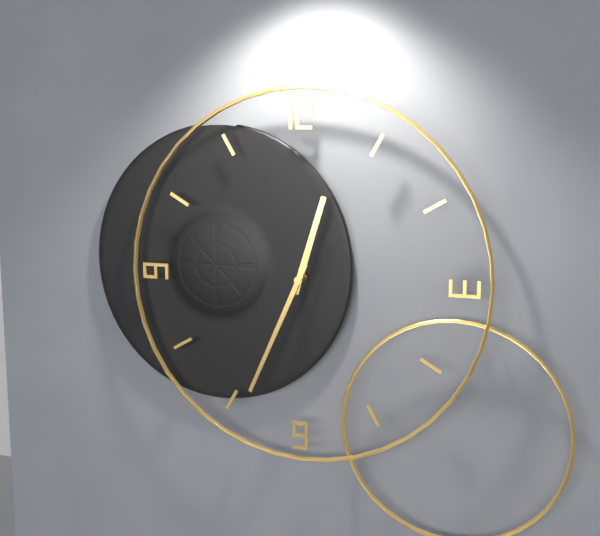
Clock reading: h=12 m=34
